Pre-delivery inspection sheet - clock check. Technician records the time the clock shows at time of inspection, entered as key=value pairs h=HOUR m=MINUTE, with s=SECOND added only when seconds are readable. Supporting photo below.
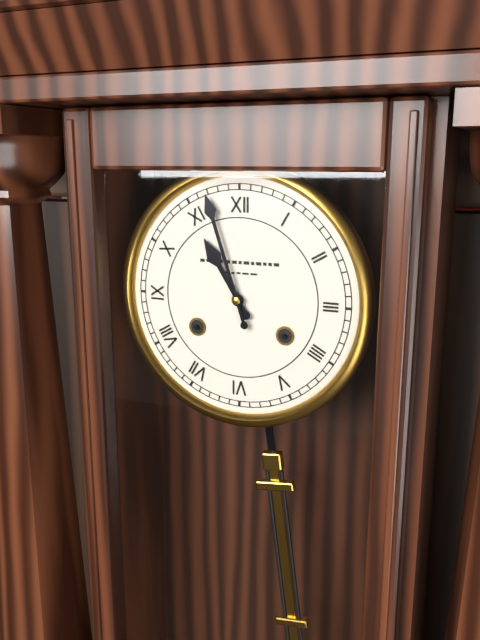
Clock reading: h=10 m=57
